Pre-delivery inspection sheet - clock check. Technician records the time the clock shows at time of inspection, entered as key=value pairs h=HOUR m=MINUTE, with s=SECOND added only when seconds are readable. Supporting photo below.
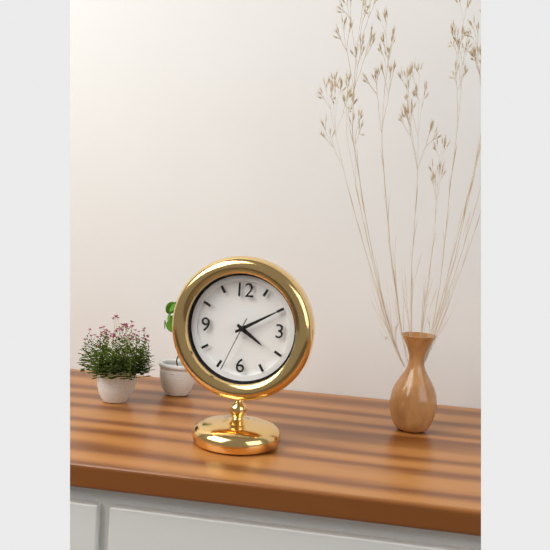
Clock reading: h=4 m=10 s=34
